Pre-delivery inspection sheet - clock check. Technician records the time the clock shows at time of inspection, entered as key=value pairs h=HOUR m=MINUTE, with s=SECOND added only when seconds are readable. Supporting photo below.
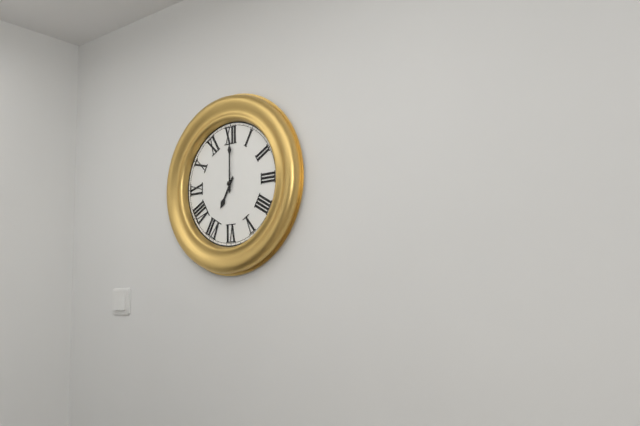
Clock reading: h=7 m=0
